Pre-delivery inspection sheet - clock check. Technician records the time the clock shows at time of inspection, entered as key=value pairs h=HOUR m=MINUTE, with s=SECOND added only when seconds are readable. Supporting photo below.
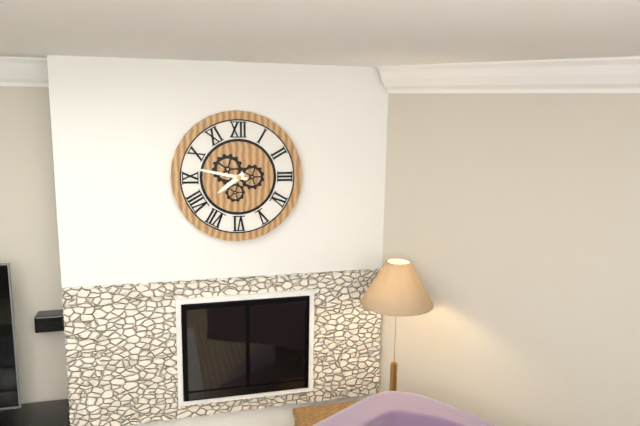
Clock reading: h=7 m=47
